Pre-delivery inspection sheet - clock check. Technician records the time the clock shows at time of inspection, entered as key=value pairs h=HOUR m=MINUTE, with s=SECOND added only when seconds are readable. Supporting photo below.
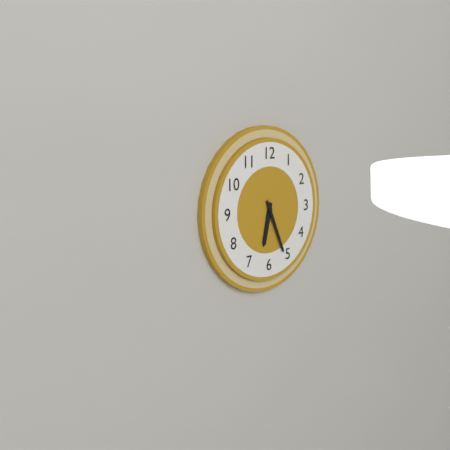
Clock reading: h=6 m=26
